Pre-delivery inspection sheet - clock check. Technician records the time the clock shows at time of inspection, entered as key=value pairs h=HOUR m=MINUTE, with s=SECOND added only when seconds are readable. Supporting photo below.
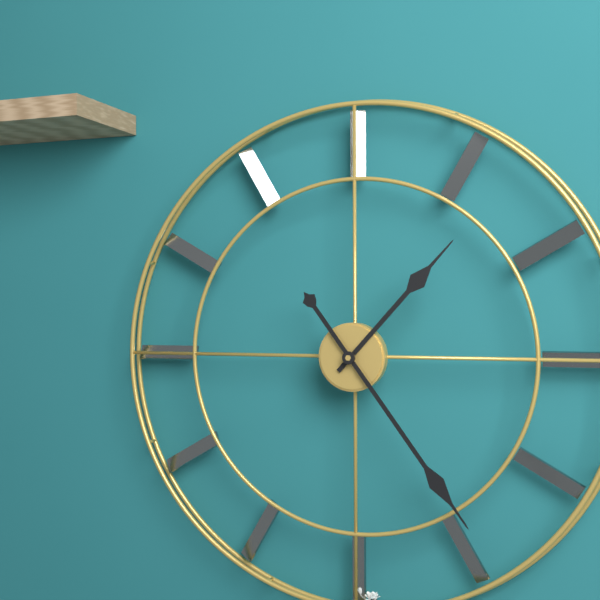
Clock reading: h=1 m=24
